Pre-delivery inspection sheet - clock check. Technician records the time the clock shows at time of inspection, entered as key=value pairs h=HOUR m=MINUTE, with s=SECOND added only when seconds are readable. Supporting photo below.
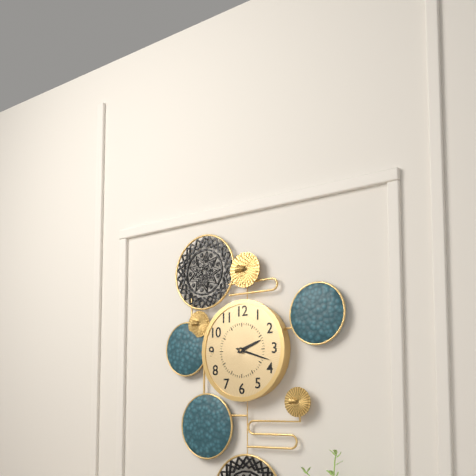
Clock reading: h=2 m=18
